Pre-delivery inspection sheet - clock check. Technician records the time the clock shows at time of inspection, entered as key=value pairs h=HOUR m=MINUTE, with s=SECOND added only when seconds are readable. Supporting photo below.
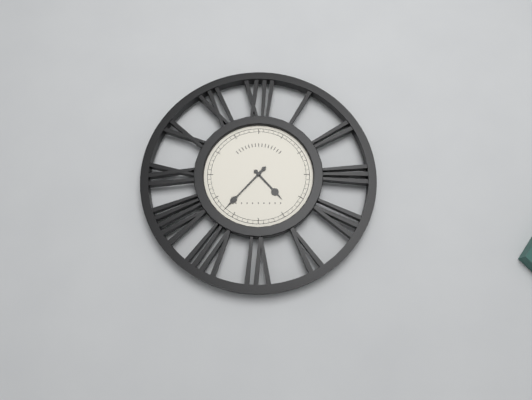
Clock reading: h=4 m=37
